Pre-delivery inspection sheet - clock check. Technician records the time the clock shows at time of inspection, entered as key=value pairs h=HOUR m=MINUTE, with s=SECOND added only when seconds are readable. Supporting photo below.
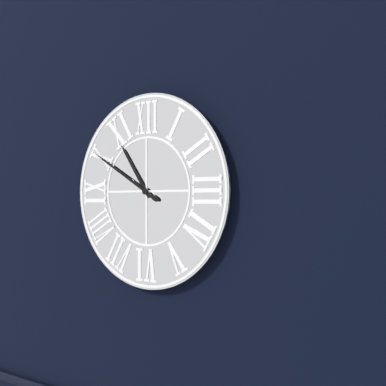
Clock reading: h=10 m=50
